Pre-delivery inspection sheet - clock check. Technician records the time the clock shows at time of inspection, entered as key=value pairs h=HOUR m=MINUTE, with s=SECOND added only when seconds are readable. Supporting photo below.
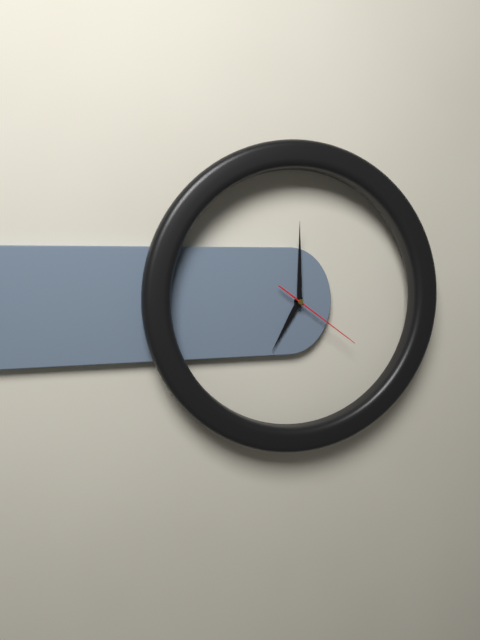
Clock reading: h=7 m=0 s=21
